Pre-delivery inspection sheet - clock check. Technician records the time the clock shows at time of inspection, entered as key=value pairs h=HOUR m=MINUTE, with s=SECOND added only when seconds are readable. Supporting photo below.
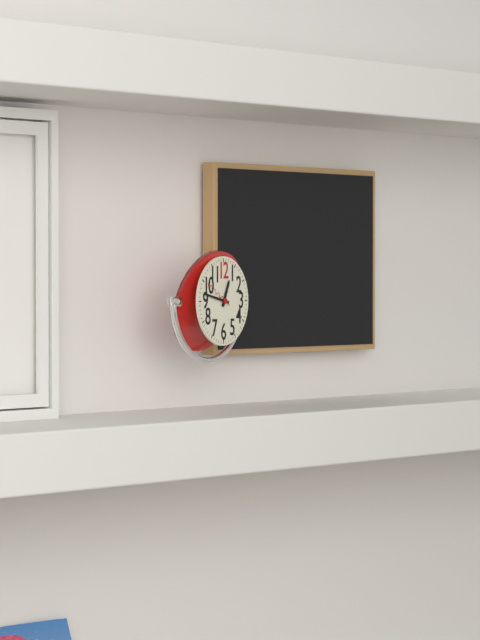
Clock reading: h=12 m=47
